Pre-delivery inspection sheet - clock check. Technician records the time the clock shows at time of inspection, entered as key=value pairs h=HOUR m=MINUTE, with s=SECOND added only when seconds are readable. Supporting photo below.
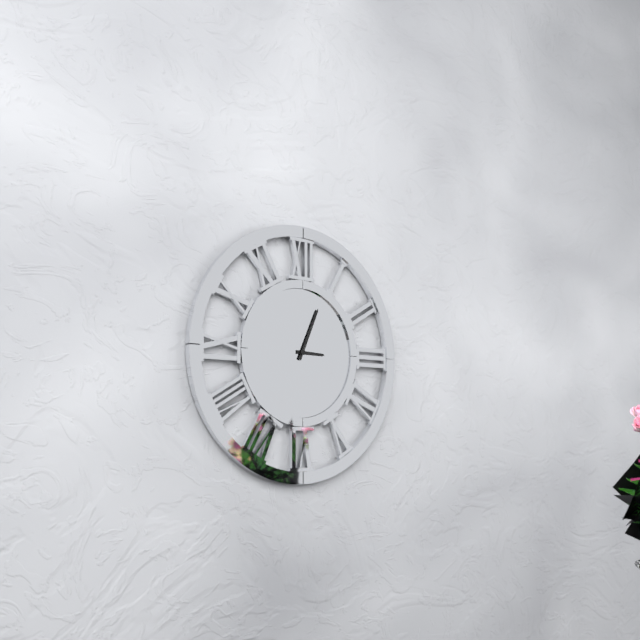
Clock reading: h=3 m=4
